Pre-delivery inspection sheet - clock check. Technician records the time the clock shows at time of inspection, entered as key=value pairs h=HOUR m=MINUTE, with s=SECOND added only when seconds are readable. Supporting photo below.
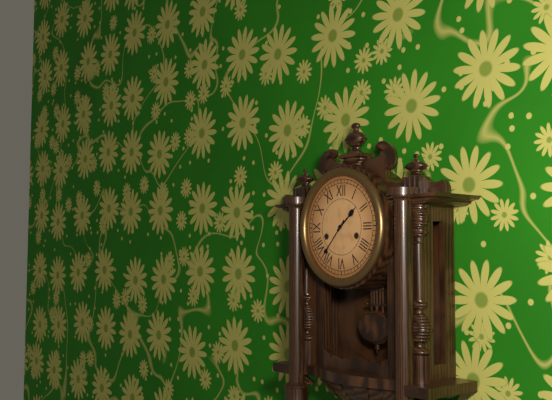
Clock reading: h=1 m=37
